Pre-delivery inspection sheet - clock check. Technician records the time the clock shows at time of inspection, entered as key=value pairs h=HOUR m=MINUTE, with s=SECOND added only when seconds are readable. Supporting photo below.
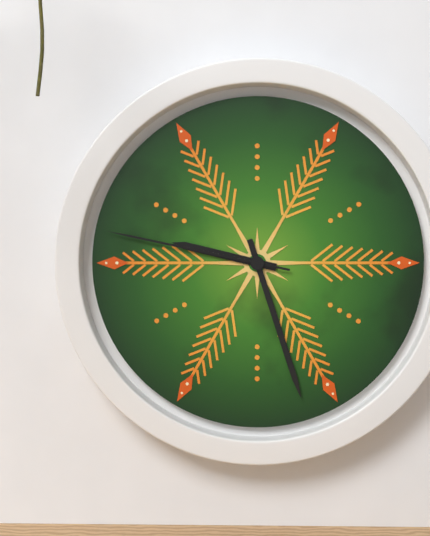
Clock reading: h=9 m=27 s=47
